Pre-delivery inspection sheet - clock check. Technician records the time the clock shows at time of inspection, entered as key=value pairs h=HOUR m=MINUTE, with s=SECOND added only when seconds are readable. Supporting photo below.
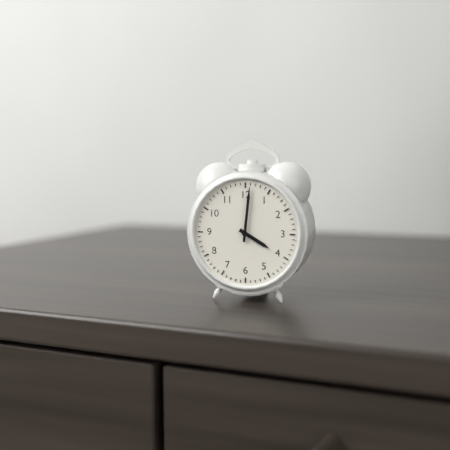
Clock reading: h=4 m=1
